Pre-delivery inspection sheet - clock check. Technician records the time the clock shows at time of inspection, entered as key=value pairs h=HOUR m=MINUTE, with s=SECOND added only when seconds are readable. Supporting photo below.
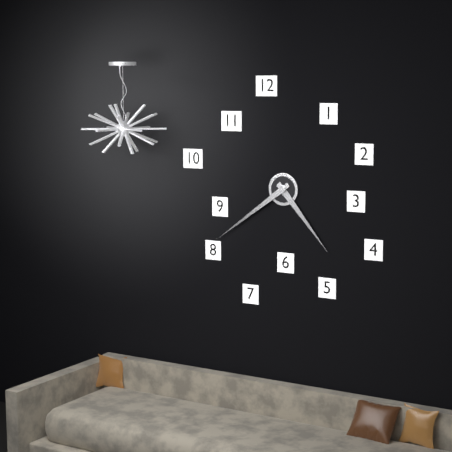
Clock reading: h=4 m=39
